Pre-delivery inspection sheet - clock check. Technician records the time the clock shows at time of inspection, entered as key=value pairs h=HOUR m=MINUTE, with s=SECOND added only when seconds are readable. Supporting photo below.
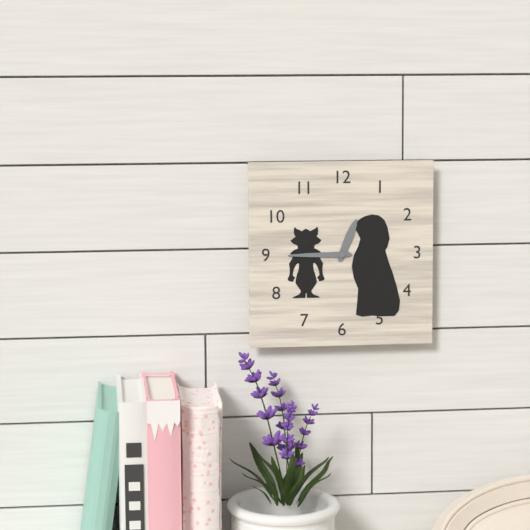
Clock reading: h=12 m=45
